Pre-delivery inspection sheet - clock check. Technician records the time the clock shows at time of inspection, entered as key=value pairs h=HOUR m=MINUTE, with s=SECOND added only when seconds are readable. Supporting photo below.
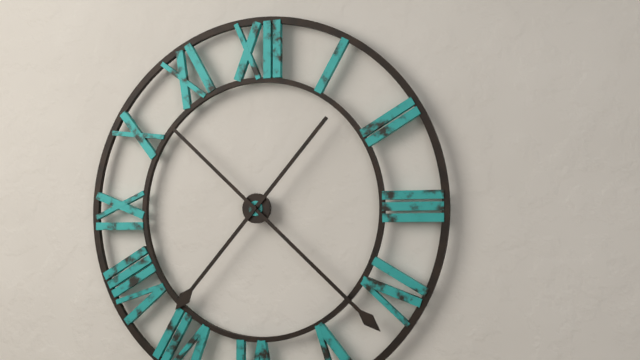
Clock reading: h=7 m=22
